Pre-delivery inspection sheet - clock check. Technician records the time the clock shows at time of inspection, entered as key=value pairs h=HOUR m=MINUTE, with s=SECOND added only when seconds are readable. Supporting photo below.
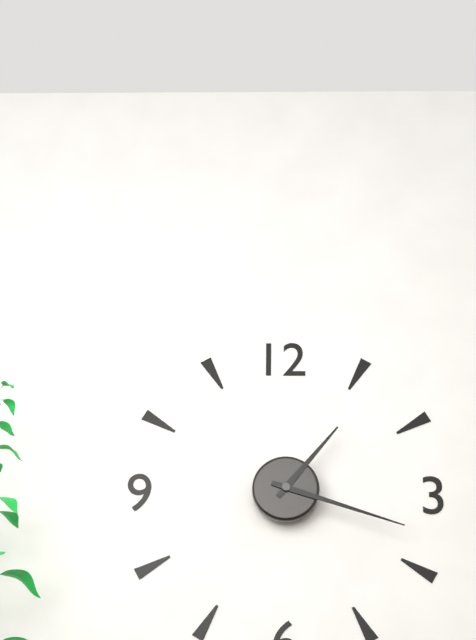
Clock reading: h=1 m=18
